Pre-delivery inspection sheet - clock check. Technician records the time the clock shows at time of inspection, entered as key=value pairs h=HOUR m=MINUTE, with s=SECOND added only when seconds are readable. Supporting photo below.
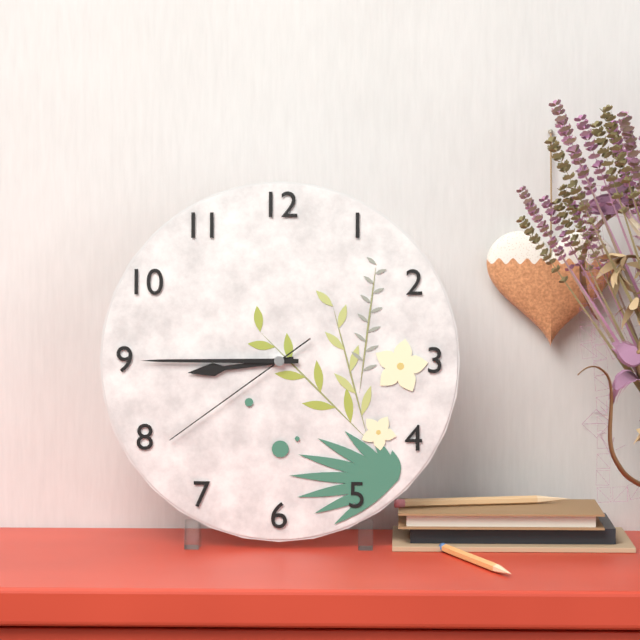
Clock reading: h=8 m=45 s=39
